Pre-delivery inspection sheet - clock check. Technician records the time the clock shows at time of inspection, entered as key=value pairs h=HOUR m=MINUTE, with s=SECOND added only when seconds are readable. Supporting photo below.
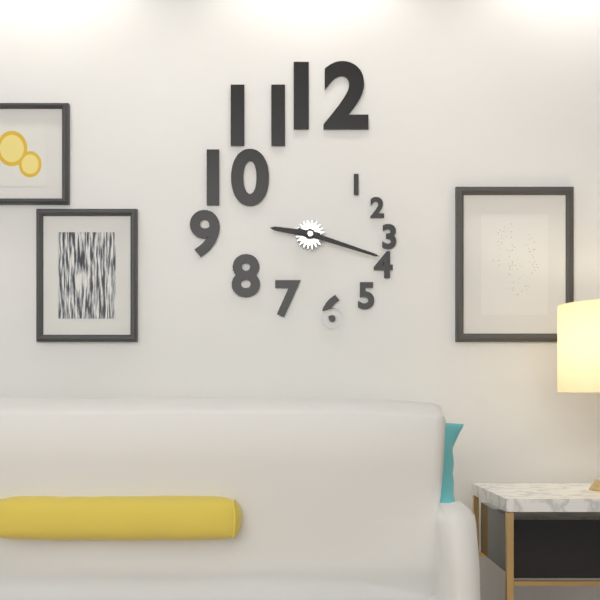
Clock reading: h=9 m=18
